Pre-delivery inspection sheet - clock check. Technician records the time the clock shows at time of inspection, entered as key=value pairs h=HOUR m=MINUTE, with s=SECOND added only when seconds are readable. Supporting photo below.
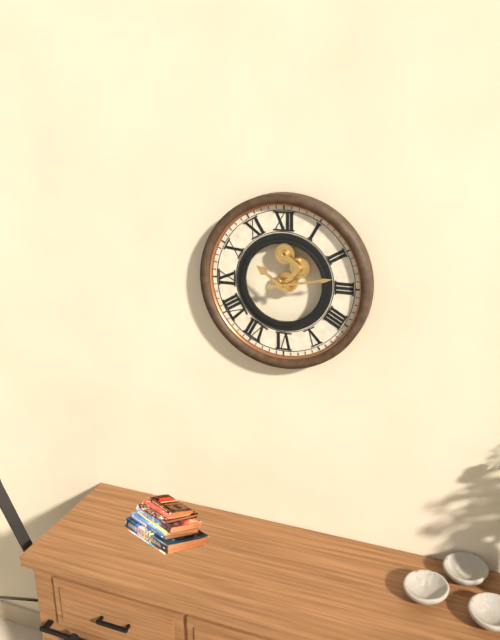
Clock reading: h=10 m=13
